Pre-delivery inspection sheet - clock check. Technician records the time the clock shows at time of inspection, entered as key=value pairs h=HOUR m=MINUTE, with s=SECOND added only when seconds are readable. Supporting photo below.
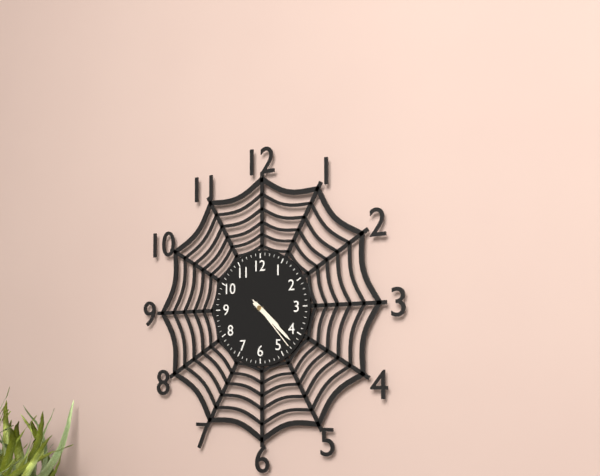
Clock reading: h=4 m=22 s=23
